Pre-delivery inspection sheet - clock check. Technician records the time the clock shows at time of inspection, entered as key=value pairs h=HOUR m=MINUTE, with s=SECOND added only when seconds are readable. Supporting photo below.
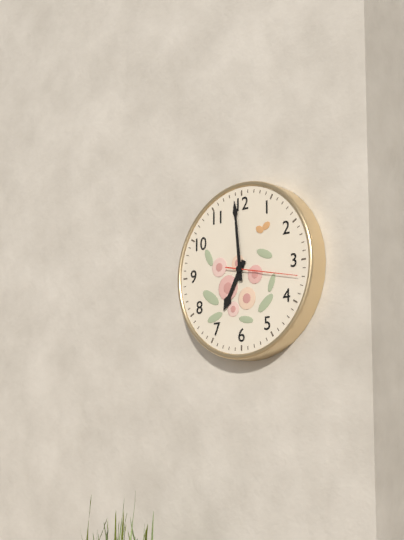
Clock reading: h=6 m=59 s=17
